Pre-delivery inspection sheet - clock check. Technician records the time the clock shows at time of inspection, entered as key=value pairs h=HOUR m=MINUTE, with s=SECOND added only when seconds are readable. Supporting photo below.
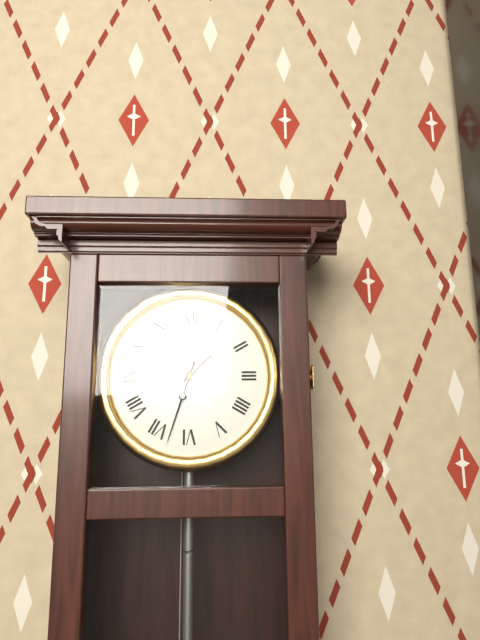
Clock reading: h=1 m=33
